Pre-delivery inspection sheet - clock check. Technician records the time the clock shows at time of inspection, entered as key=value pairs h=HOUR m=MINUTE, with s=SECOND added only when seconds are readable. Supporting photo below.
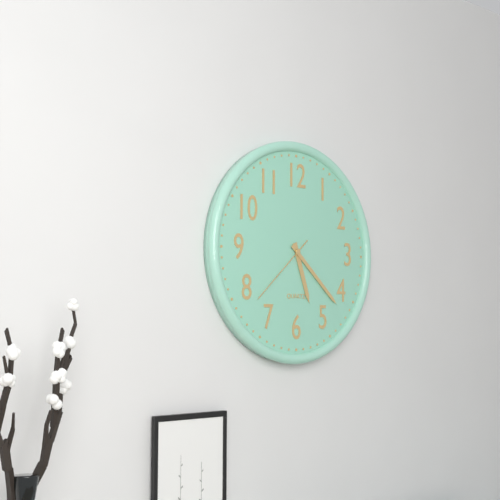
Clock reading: h=5 m=22 s=38
